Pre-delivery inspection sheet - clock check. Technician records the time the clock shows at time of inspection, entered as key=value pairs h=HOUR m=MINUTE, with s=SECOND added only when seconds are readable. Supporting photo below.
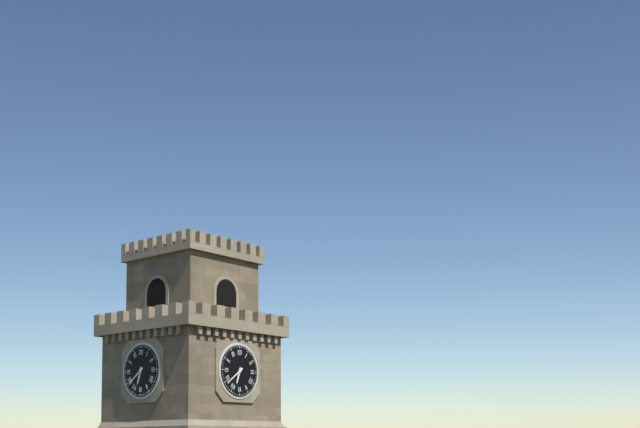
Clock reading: h=6 m=39
